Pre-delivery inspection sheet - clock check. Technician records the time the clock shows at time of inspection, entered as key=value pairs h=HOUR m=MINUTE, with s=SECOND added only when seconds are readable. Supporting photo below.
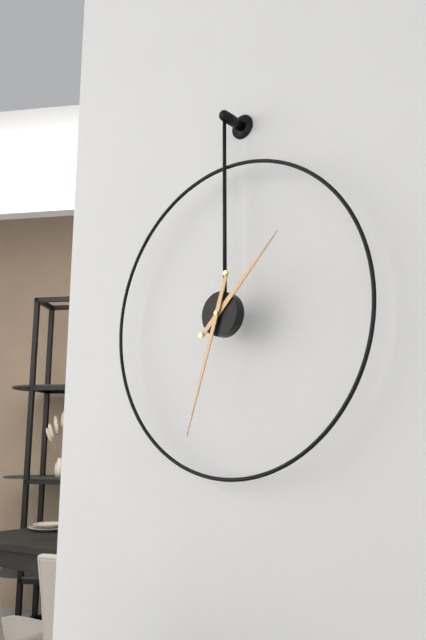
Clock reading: h=1 m=33
